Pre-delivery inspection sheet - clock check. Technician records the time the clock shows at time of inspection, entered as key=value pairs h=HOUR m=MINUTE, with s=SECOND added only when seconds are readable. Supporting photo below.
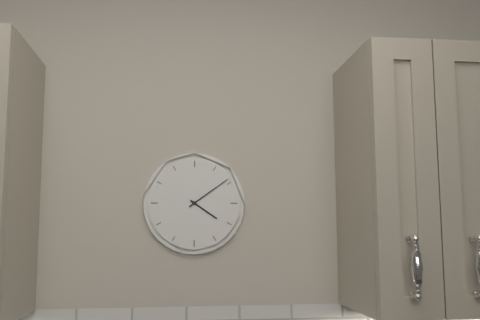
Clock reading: h=4 m=9
